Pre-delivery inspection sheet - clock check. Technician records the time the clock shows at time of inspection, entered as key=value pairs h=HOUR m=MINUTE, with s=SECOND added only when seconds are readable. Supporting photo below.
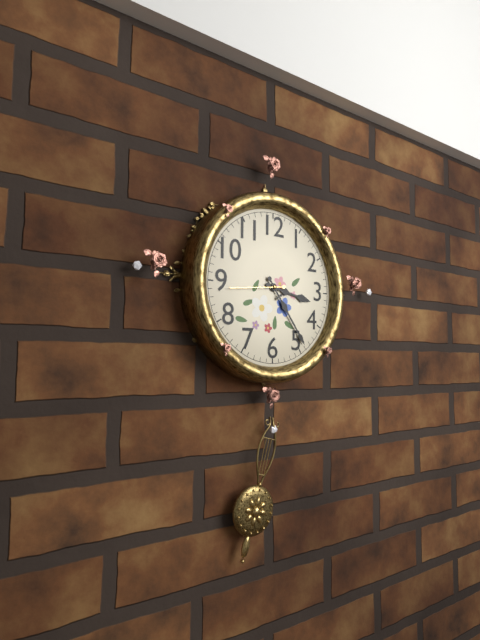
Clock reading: h=3 m=24 s=44
